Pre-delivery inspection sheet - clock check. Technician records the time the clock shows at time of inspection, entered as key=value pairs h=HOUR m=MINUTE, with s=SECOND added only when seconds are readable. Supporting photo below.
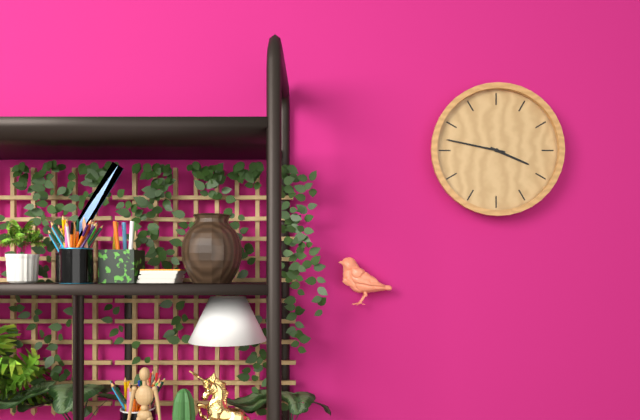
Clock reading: h=3 m=47
